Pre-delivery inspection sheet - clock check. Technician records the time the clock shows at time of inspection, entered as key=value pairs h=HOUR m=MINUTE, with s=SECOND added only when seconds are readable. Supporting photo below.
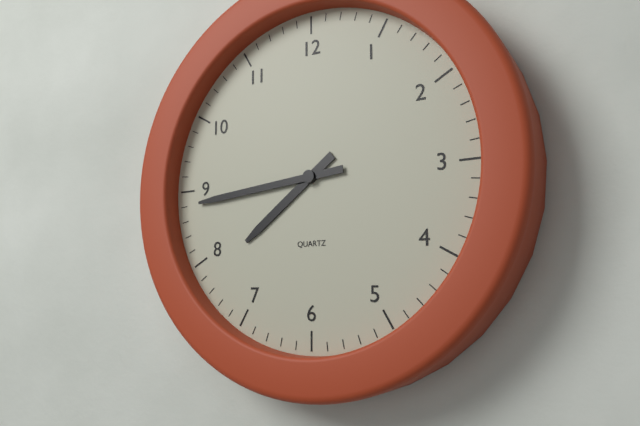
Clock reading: h=7 m=44
